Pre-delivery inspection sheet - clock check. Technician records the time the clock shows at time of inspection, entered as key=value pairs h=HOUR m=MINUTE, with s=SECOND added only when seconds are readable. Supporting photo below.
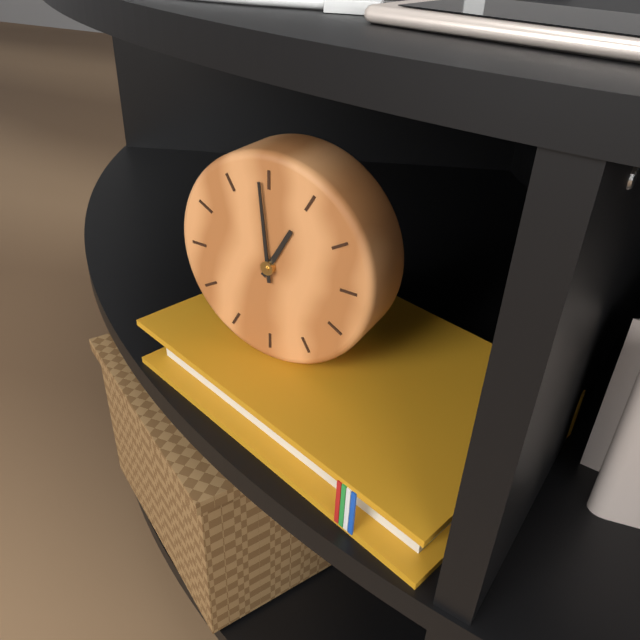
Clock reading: h=12 m=59
